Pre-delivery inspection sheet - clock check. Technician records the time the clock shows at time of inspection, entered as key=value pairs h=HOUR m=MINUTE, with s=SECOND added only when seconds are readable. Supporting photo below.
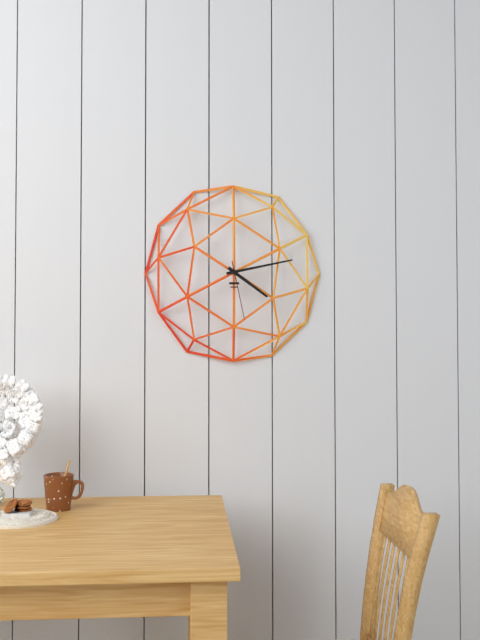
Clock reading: h=4 m=13 s=28
